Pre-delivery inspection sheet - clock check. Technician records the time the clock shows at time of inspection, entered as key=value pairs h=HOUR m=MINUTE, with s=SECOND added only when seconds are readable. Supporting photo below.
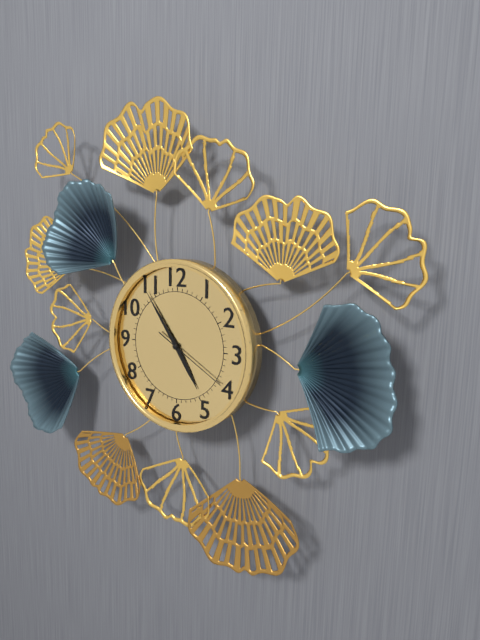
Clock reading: h=4 m=54 s=20
